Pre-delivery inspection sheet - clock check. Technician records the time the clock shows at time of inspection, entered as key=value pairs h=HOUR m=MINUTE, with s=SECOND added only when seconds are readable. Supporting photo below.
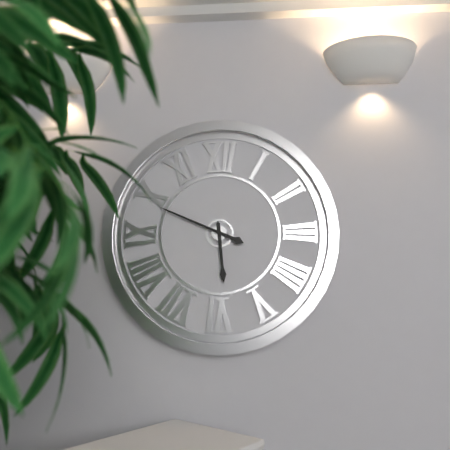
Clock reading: h=5 m=49
